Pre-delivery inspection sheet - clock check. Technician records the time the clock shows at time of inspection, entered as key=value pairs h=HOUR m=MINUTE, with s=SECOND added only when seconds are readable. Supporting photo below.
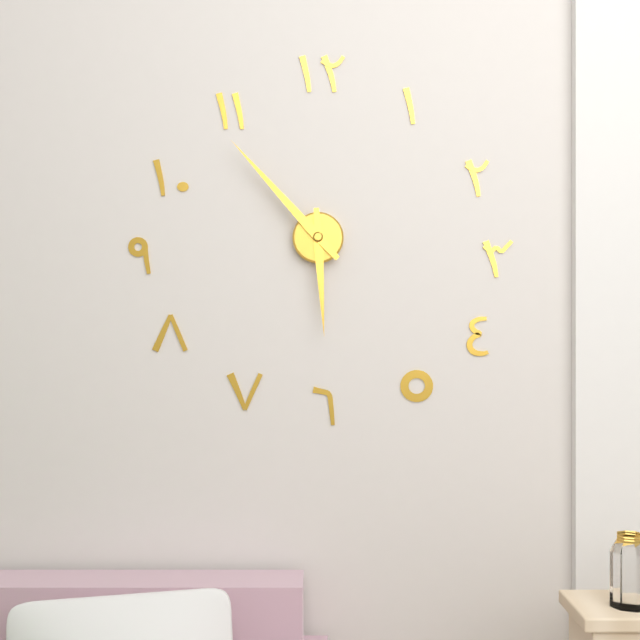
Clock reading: h=5 m=53
